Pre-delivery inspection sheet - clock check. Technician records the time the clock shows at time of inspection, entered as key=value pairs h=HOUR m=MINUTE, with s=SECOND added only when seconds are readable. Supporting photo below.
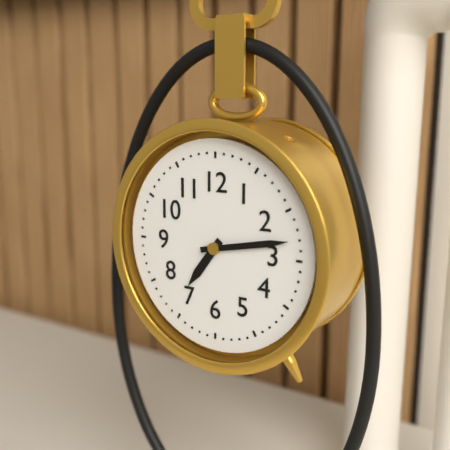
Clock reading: h=7 m=13
